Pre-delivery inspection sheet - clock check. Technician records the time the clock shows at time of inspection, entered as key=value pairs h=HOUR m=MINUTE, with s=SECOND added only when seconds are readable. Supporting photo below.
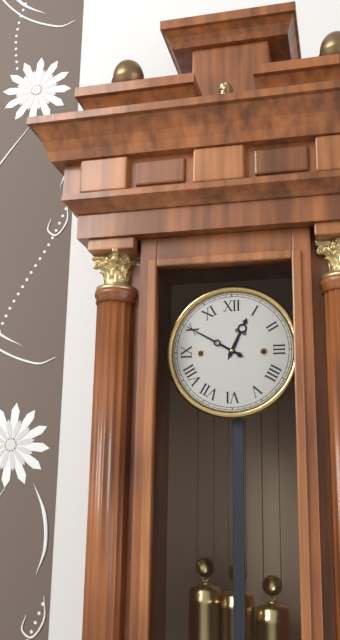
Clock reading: h=12 m=50
